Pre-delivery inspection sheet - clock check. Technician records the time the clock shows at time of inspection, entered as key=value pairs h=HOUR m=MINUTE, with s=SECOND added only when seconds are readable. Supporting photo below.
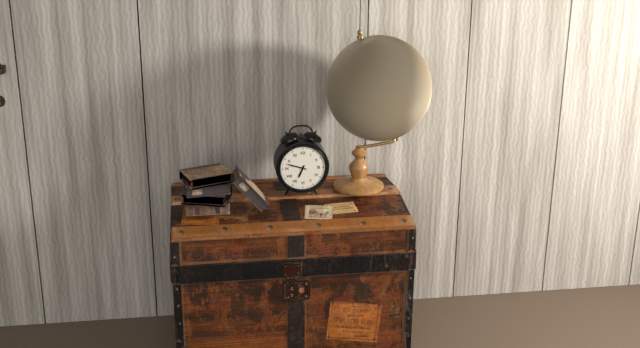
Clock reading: h=6 m=48
